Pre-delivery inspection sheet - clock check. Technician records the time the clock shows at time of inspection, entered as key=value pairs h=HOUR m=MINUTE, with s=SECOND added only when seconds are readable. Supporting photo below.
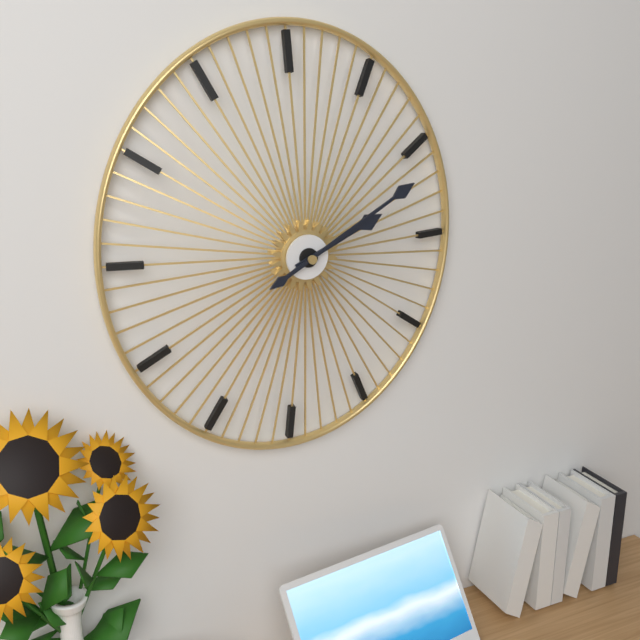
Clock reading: h=2 m=10
